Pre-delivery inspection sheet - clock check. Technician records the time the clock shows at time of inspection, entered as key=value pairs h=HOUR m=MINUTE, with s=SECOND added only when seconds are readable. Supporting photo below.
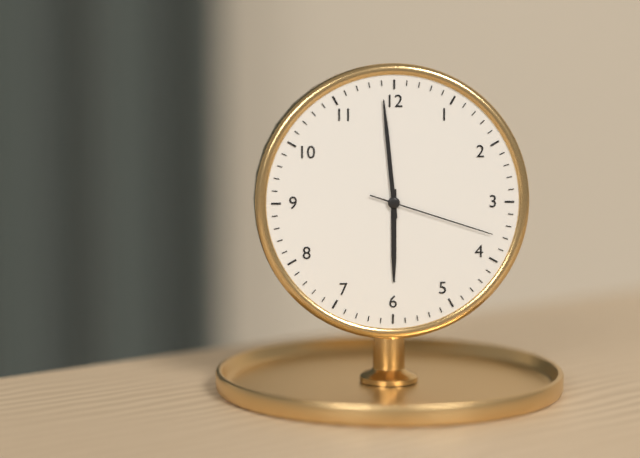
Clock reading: h=5 m=59 s=18
